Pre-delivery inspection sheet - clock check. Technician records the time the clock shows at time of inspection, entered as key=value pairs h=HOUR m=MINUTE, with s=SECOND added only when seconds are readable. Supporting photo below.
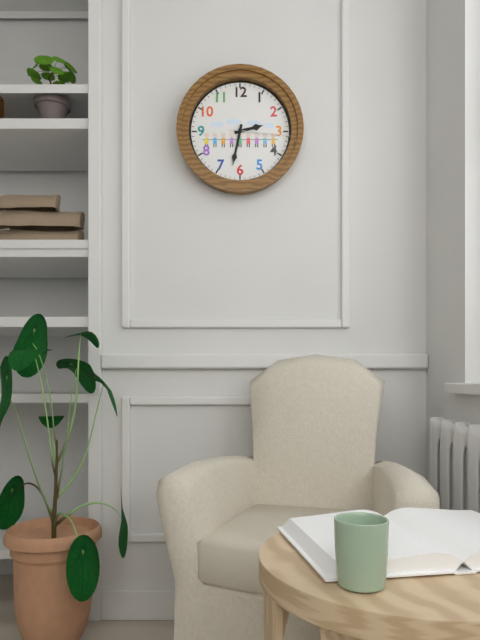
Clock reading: h=2 m=32 s=16
